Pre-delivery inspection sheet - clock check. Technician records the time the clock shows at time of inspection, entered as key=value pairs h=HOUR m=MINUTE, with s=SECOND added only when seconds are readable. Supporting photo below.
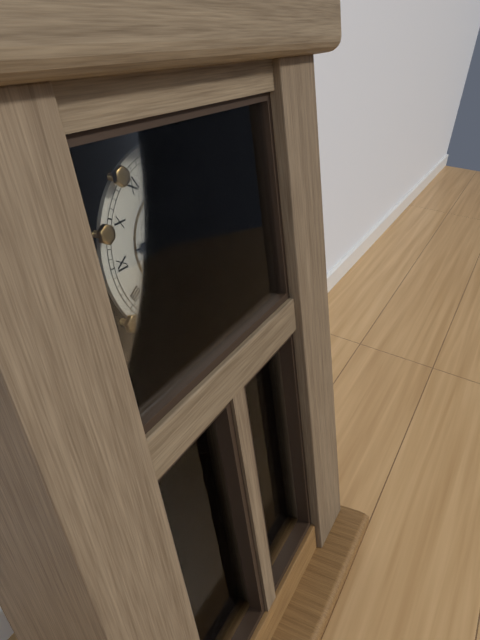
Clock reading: h=9 m=14
